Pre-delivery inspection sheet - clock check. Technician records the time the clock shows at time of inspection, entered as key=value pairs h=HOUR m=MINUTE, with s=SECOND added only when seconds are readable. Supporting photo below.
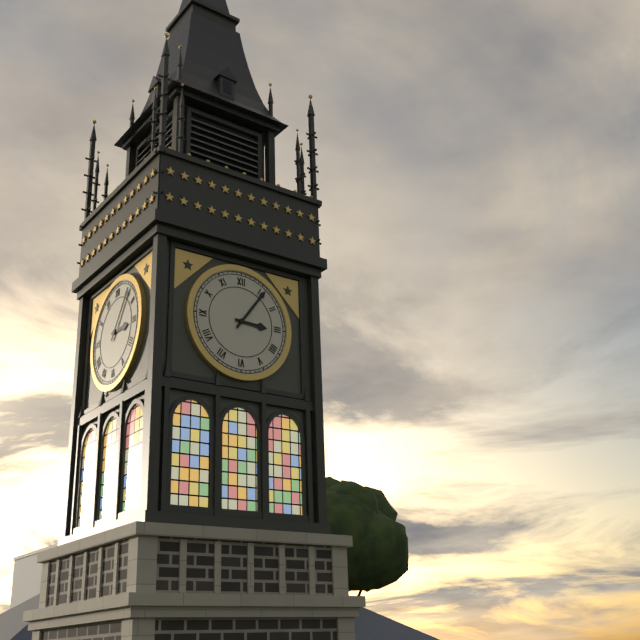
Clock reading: h=3 m=6
